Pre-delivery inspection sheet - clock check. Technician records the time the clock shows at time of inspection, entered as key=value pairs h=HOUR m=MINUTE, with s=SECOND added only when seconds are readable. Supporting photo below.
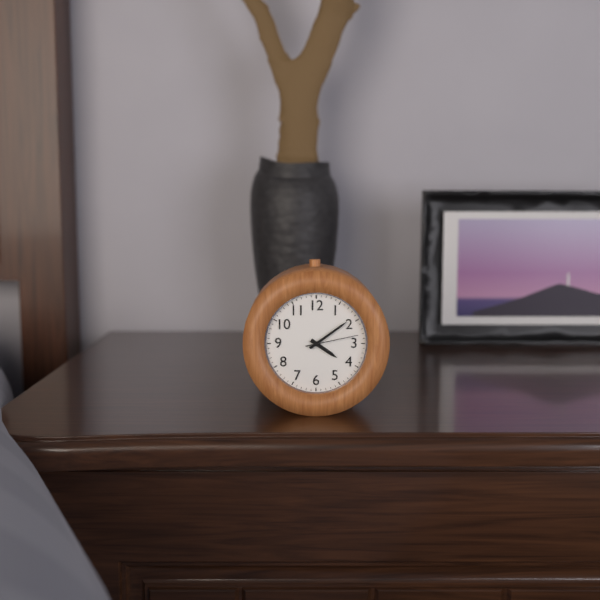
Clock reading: h=4 m=9 s=13
